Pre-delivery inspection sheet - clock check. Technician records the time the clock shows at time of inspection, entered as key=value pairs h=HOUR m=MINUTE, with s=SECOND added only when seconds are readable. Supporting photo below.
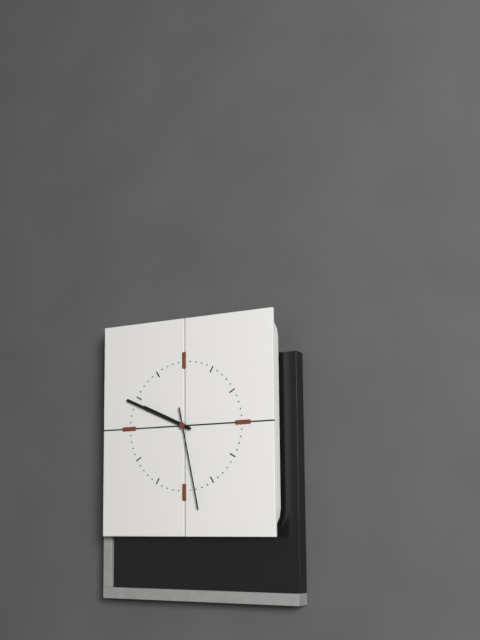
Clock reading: h=9 m=49 s=28
